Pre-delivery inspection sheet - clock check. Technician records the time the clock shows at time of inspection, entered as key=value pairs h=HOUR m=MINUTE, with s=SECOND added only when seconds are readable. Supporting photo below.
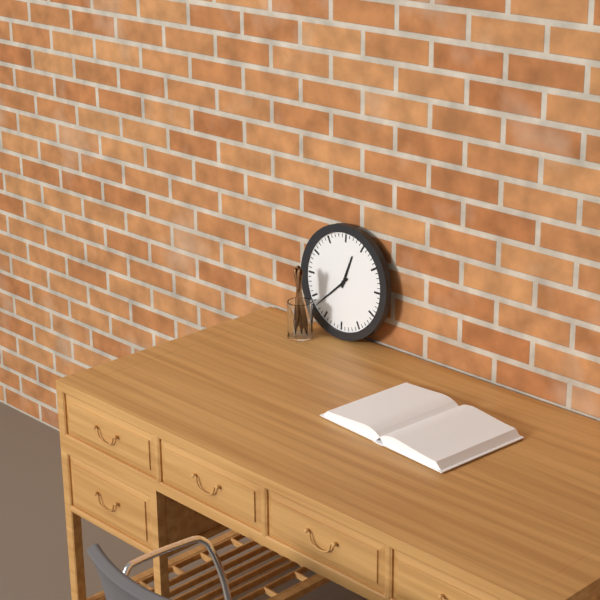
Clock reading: h=12 m=38
